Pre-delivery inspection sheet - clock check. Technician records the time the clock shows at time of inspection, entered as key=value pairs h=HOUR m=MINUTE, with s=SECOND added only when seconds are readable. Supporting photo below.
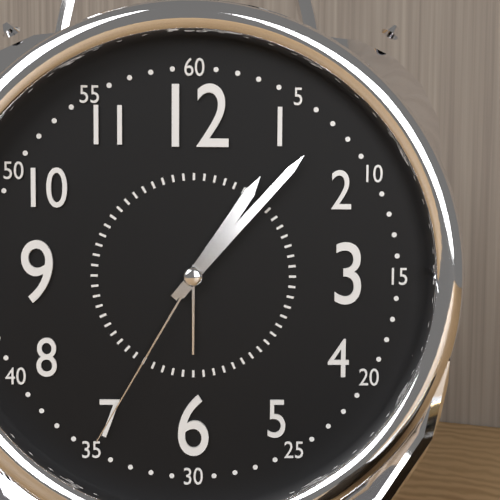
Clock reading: h=1 m=7 s=35
